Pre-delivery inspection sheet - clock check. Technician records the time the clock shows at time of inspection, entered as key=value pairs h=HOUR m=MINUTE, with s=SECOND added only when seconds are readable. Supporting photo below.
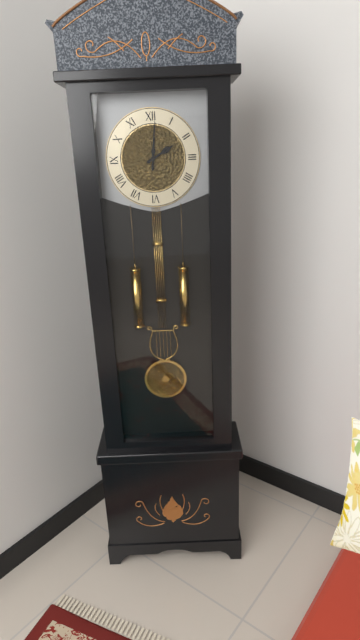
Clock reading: h=2 m=1
